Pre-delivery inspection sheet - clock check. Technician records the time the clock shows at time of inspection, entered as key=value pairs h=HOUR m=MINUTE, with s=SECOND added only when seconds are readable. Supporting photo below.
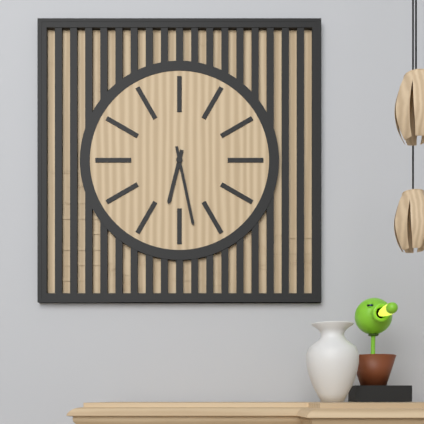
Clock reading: h=6 m=28
